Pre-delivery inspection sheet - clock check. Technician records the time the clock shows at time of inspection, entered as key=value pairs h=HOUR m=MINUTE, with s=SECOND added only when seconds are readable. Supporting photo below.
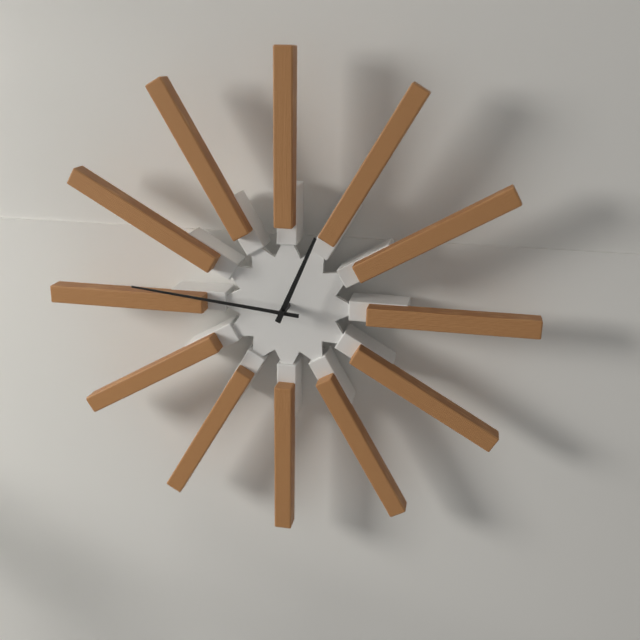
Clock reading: h=12 m=46
